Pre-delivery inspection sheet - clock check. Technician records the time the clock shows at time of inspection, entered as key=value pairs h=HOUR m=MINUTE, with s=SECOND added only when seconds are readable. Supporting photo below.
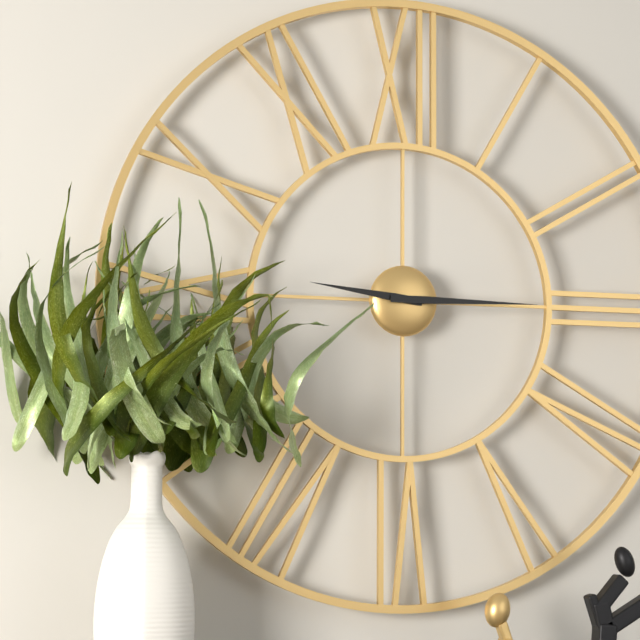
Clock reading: h=9 m=15
